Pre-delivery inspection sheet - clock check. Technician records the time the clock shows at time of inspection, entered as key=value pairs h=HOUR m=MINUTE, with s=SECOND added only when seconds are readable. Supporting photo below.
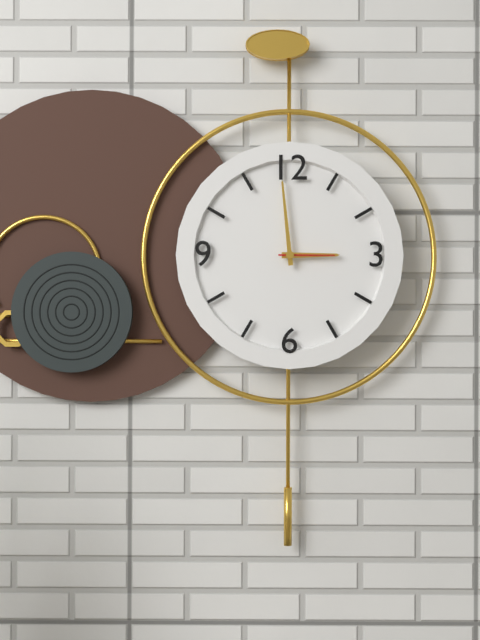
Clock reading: h=2 m=59 s=15
